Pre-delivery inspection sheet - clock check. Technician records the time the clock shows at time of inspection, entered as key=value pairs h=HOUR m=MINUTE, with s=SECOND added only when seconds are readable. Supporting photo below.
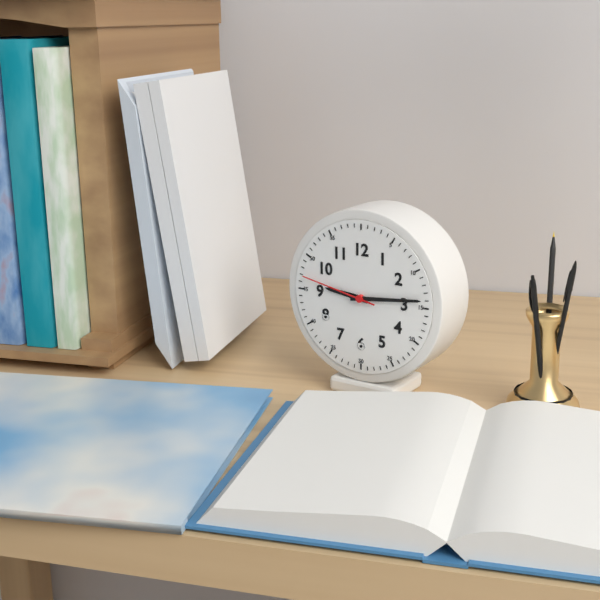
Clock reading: h=9 m=14 s=47
